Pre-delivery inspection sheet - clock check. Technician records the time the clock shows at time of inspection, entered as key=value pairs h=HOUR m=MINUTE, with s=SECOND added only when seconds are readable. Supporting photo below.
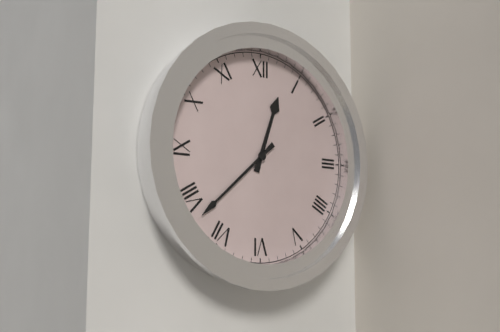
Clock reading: h=12 m=38
